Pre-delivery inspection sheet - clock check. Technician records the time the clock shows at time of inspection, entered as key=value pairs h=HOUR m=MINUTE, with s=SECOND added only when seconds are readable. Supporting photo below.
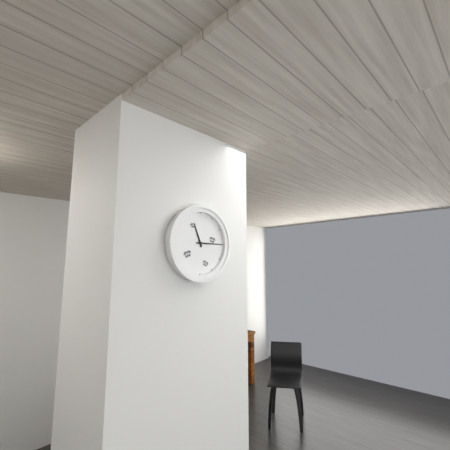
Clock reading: h=11 m=15
